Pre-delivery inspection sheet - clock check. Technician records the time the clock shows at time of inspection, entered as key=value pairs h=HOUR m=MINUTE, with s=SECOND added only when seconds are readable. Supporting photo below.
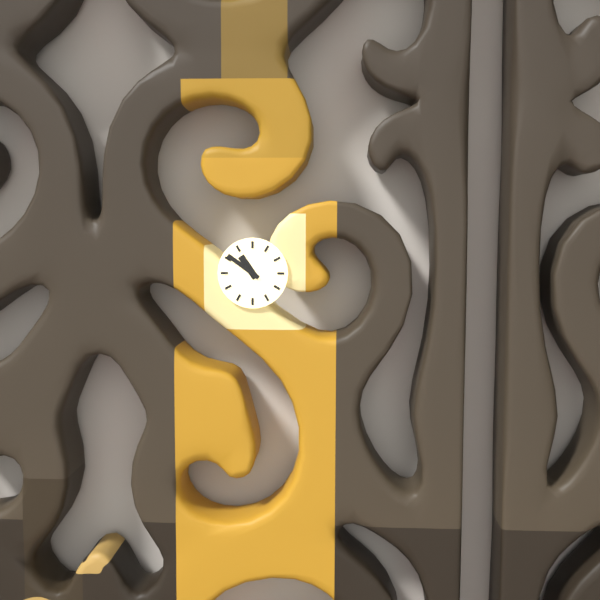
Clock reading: h=10 m=51
